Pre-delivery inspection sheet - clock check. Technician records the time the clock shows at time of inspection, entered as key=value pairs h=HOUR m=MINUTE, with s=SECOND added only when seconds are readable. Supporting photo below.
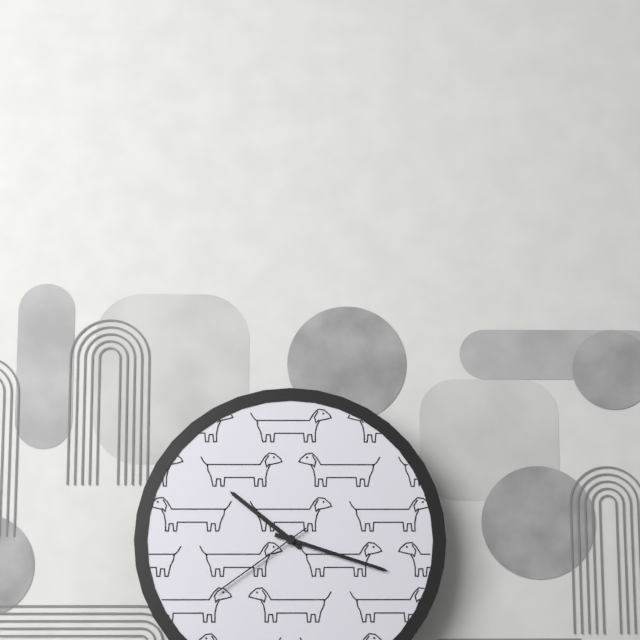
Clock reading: h=10 m=18 s=39
